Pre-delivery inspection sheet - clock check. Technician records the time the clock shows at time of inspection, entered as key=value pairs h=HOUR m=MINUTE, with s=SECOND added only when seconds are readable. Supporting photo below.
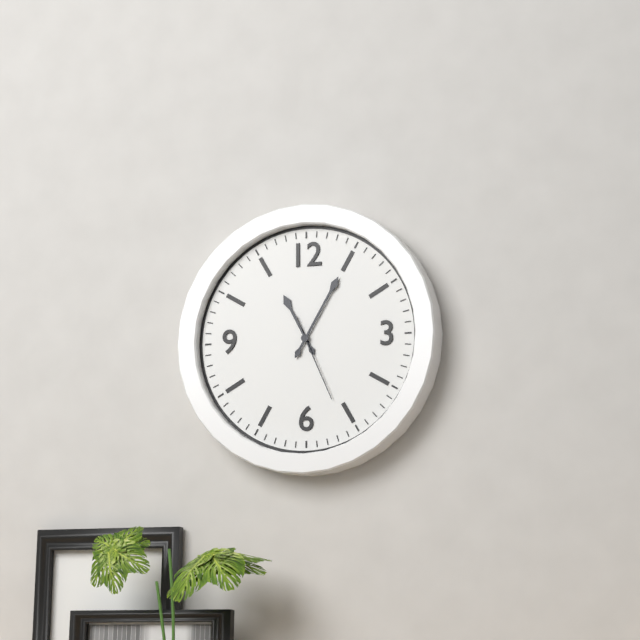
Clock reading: h=11 m=5 s=26
